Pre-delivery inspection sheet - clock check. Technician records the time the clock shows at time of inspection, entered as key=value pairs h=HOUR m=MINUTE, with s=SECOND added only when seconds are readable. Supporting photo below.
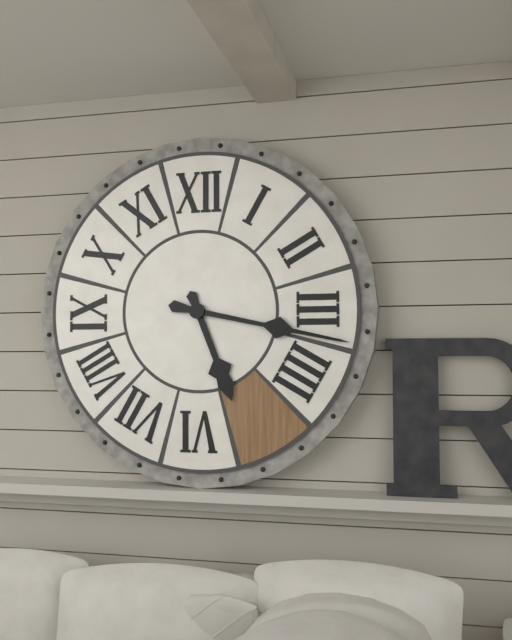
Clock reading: h=5 m=17
